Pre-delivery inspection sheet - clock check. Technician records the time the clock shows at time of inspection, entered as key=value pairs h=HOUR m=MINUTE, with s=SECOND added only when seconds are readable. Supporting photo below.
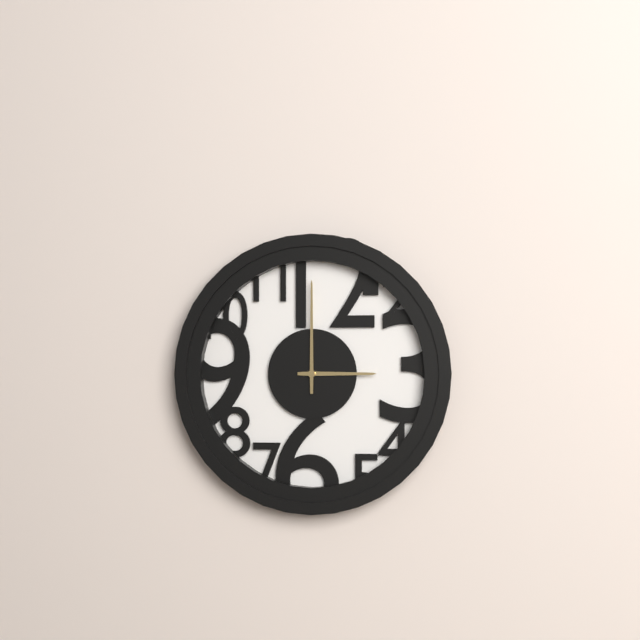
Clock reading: h=3 m=0
